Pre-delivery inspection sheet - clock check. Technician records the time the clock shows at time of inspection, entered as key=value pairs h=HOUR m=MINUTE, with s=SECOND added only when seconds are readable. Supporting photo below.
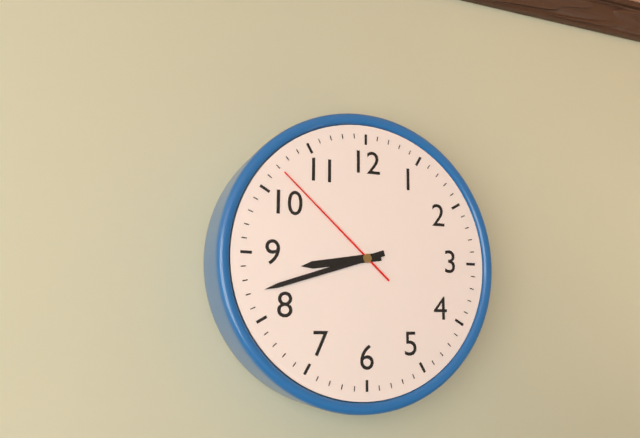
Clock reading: h=8 m=42 s=52
